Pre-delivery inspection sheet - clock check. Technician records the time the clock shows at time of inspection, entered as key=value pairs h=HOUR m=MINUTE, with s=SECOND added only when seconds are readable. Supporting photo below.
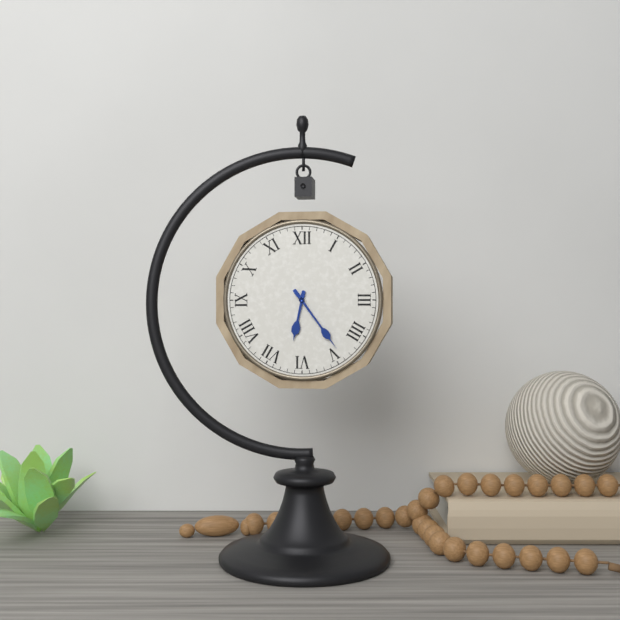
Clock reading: h=6 m=24
